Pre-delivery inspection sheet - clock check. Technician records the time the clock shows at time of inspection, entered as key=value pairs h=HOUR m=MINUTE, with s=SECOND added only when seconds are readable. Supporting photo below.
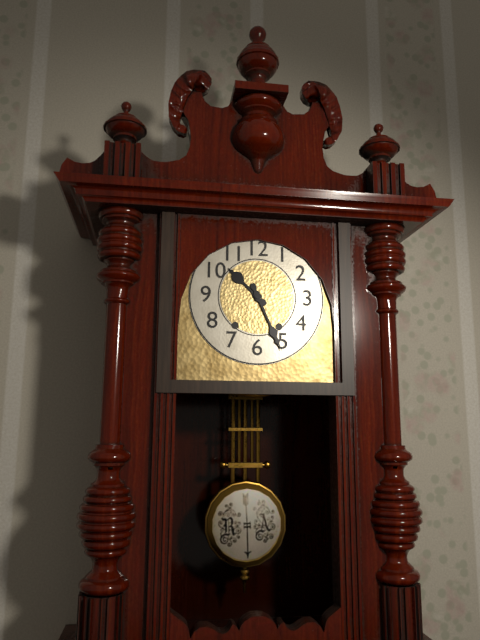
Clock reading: h=10 m=26
